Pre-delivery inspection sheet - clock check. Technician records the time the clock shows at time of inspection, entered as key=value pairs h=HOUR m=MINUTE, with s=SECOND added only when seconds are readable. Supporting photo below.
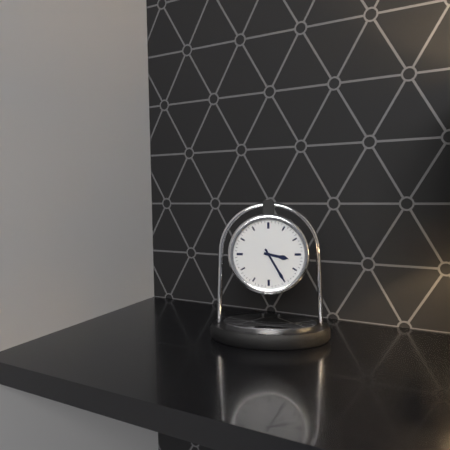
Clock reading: h=3 m=25
